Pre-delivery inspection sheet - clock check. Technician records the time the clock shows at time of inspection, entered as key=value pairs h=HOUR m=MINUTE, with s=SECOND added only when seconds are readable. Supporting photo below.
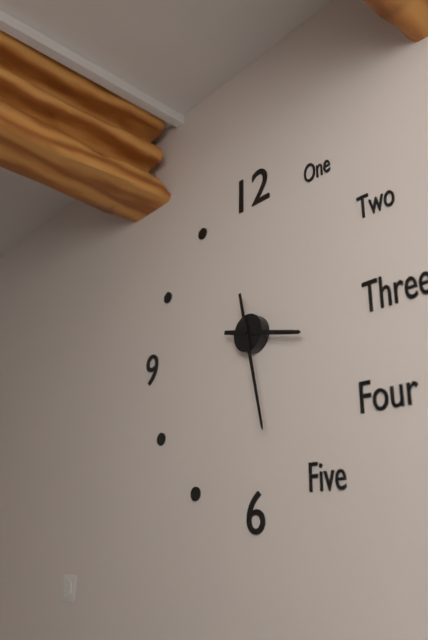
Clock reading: h=3 m=28
